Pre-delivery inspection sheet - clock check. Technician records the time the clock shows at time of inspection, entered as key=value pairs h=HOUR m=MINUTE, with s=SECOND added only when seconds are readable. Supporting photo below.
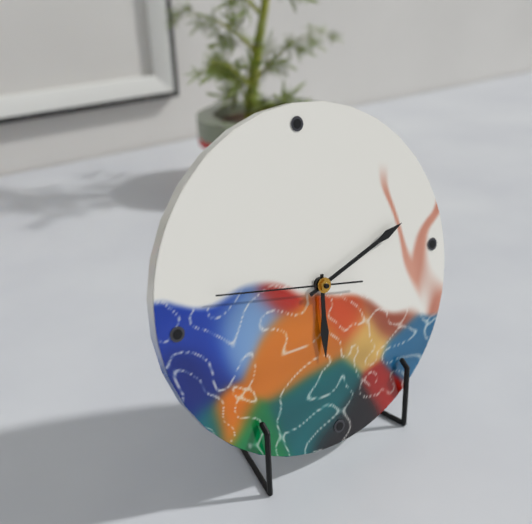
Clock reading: h=6 m=12 s=47
